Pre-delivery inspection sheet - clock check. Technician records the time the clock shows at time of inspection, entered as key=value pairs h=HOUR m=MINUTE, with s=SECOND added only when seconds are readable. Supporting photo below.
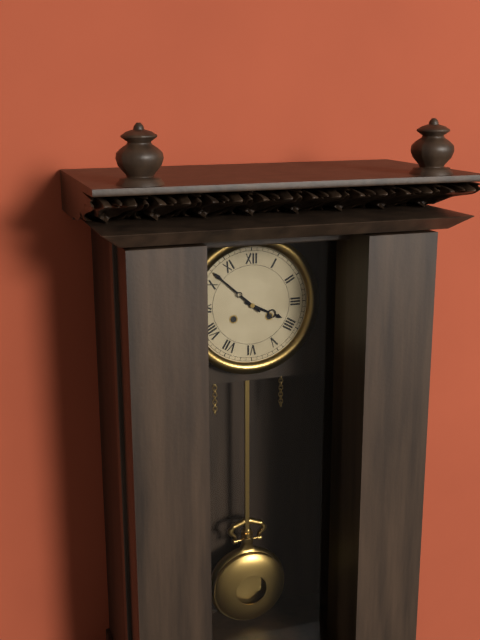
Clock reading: h=3 m=52
